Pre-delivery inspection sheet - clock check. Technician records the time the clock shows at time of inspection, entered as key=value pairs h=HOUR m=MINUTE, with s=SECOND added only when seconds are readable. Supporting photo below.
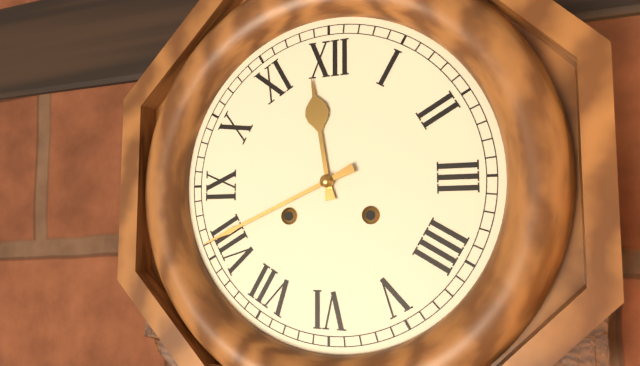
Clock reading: h=11 m=41
